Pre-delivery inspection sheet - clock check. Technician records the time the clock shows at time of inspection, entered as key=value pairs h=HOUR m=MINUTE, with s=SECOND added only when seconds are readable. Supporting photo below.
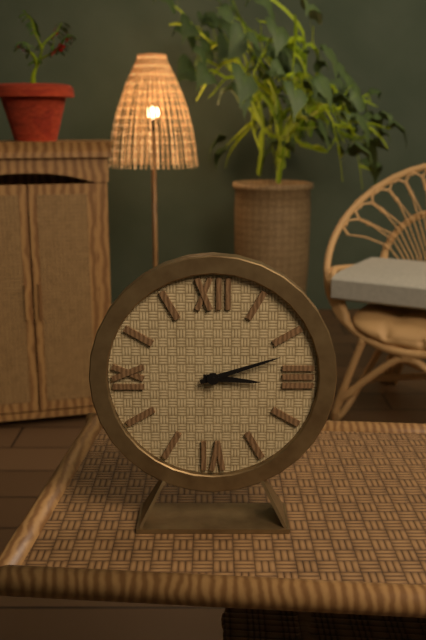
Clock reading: h=3 m=12
